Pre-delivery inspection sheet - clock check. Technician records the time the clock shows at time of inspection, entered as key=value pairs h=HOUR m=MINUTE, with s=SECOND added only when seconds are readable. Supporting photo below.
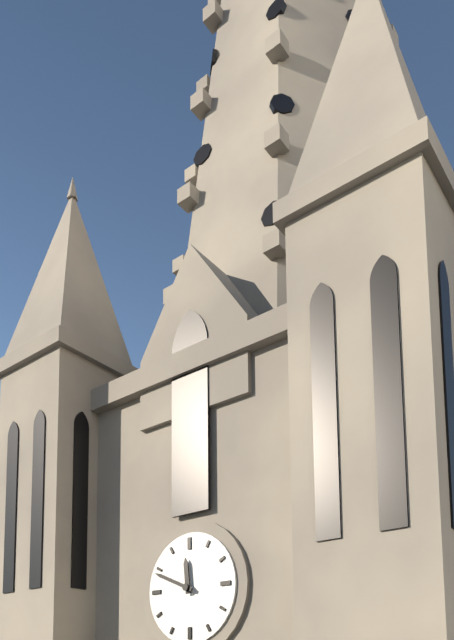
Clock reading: h=11 m=49
